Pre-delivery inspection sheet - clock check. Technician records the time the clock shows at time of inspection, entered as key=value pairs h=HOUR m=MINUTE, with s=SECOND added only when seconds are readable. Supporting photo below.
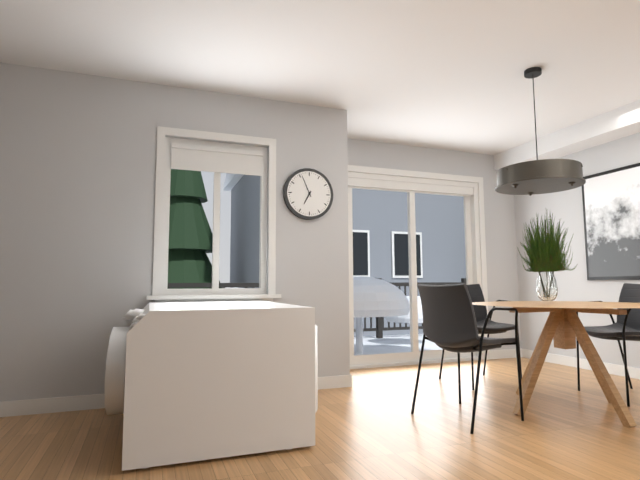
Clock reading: h=6 m=56
